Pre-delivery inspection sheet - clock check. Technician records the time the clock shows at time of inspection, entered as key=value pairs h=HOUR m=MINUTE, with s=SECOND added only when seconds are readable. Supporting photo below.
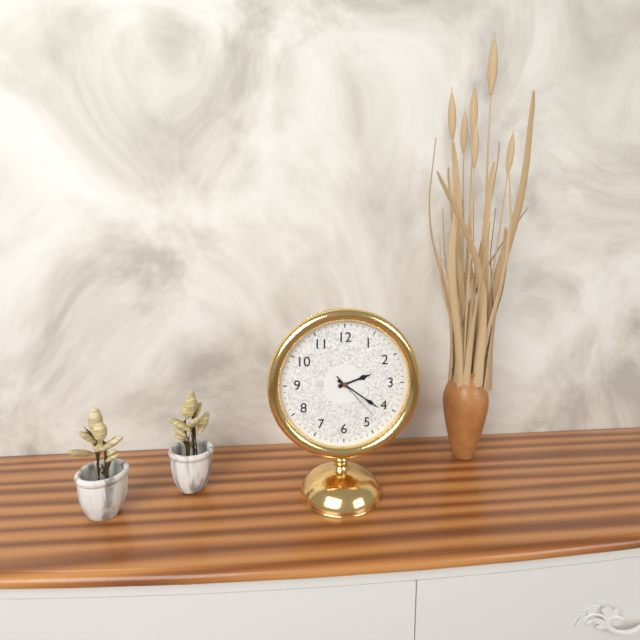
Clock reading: h=2 m=21 s=23
